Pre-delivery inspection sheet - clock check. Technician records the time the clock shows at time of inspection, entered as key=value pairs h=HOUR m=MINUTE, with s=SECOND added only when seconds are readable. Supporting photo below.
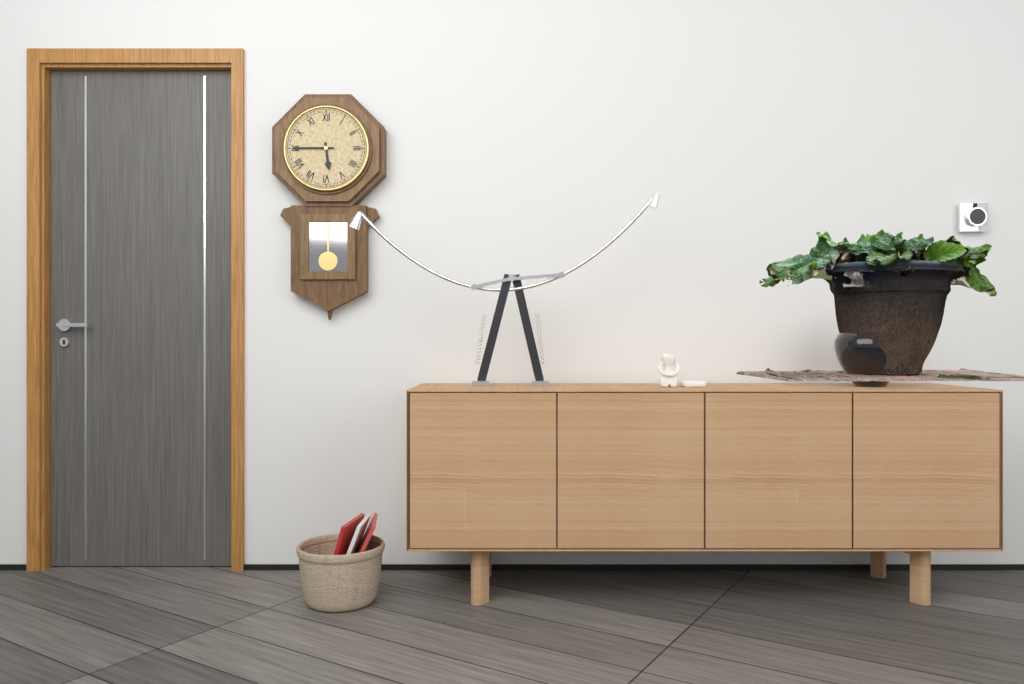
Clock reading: h=5 m=45
